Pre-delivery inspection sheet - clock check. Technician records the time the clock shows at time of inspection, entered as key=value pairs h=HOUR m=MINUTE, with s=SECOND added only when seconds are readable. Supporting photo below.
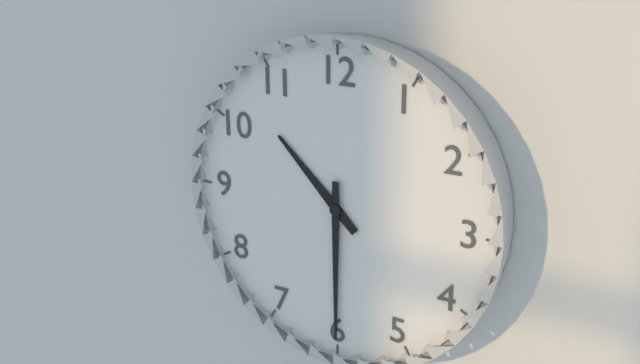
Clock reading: h=10 m=30
